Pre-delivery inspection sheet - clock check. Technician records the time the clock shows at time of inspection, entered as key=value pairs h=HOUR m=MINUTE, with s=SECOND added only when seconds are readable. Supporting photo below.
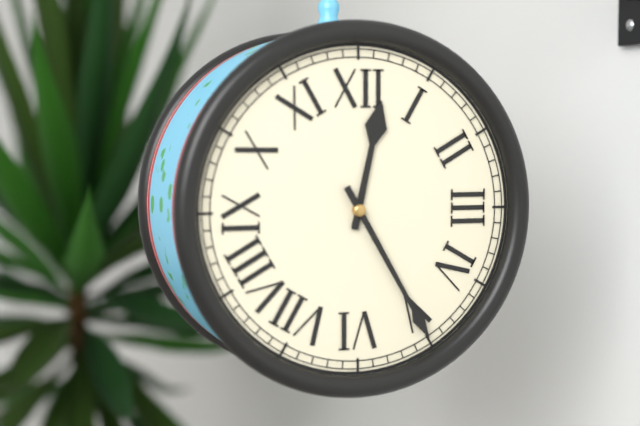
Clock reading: h=12 m=25
